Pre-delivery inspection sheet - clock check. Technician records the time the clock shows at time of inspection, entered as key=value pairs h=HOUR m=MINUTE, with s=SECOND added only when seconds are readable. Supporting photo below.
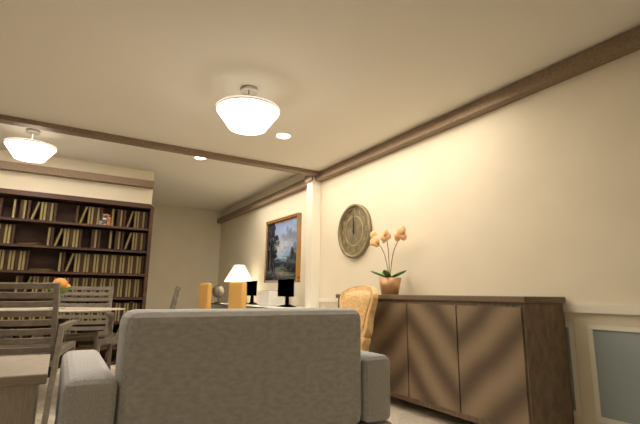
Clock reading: h=12 m=0
